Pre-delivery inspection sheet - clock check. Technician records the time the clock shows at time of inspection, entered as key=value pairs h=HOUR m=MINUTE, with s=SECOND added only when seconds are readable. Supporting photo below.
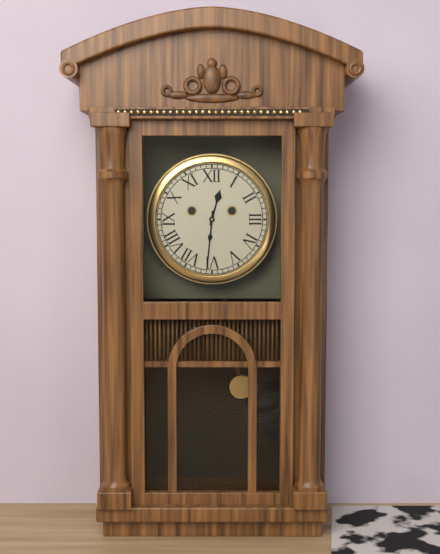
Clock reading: h=12 m=31
